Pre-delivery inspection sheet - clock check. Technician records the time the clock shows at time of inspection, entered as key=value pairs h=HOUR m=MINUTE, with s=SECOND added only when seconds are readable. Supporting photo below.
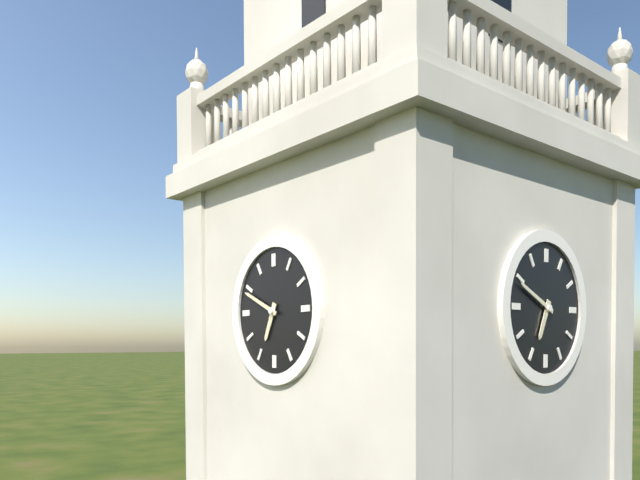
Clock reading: h=6 m=49
